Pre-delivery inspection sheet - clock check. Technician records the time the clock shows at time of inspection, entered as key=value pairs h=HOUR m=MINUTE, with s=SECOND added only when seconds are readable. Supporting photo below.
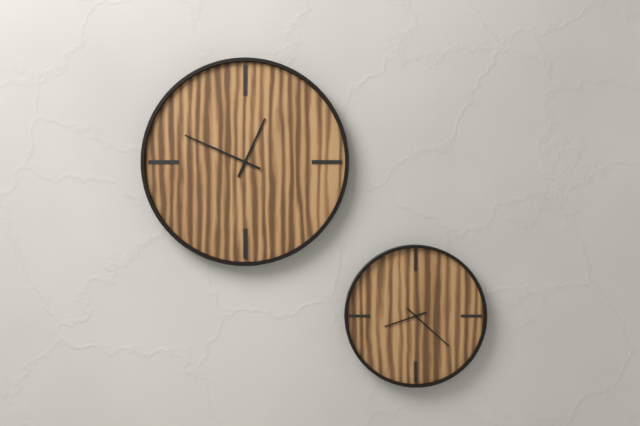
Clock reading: h=12 m=49
